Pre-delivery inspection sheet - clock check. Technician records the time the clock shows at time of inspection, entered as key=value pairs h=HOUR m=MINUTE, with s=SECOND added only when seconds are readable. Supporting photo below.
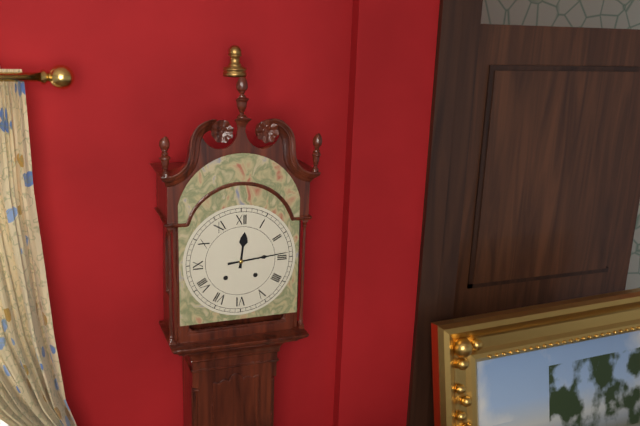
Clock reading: h=12 m=14
